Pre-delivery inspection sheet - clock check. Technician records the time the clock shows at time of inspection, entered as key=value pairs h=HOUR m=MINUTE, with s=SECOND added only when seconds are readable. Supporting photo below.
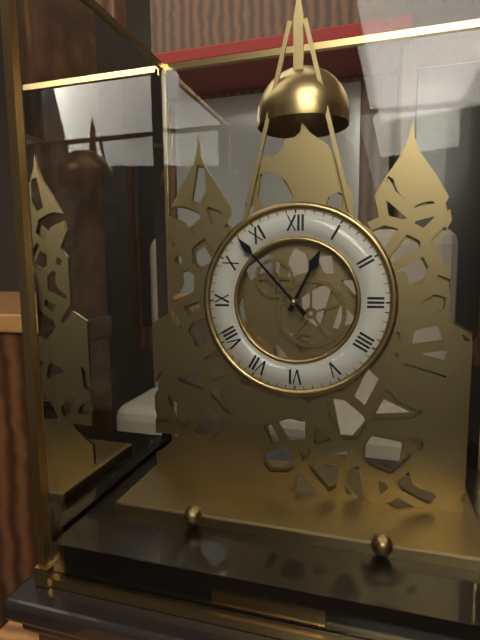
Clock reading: h=12 m=53
